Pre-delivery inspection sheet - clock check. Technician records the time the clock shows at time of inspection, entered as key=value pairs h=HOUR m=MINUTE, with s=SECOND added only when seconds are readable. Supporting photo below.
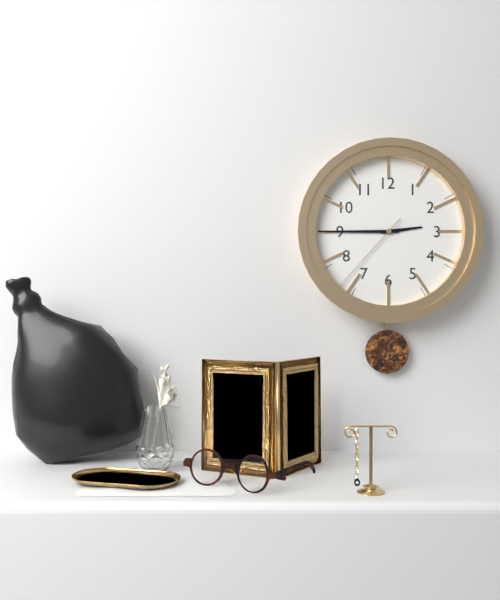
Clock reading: h=2 m=45 s=37
